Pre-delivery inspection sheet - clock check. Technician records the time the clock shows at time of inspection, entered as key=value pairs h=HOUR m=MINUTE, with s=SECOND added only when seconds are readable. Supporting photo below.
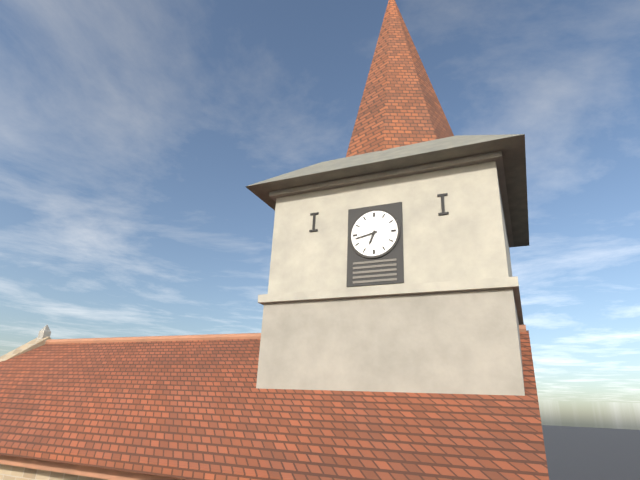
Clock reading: h=6 m=43
